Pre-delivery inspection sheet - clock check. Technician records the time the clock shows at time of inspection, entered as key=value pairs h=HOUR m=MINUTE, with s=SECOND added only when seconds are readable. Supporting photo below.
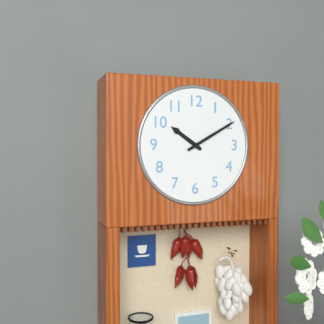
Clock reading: h=10 m=10
